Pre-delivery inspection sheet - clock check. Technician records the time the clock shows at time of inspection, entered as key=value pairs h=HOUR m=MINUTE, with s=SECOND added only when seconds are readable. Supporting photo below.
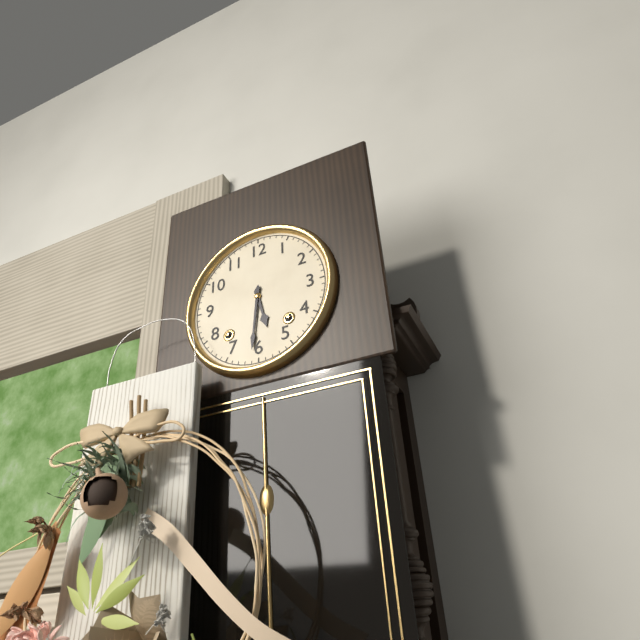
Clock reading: h=5 m=31
